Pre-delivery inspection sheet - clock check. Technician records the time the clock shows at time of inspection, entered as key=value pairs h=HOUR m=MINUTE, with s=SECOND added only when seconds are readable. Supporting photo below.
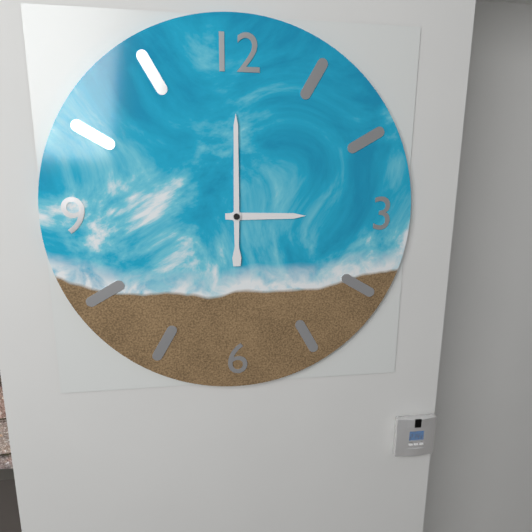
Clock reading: h=3 m=0
